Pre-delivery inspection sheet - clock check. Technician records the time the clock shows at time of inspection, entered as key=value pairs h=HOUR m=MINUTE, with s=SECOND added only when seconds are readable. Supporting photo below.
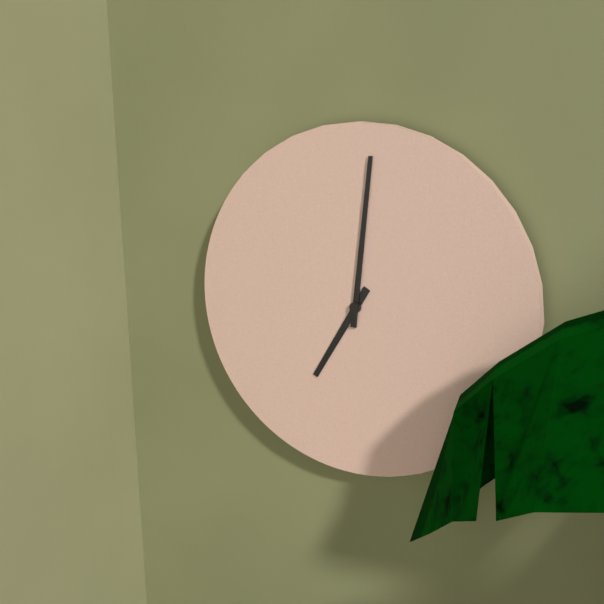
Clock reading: h=7 m=1
